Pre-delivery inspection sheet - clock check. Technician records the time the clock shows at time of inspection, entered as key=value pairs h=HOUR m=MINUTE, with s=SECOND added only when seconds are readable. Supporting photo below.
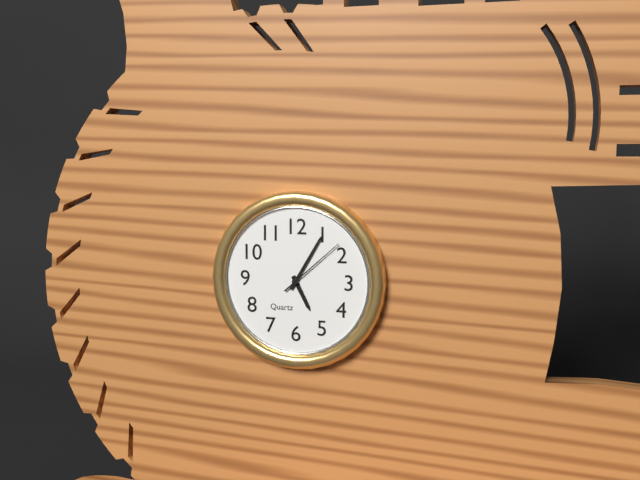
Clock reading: h=5 m=5 s=8
